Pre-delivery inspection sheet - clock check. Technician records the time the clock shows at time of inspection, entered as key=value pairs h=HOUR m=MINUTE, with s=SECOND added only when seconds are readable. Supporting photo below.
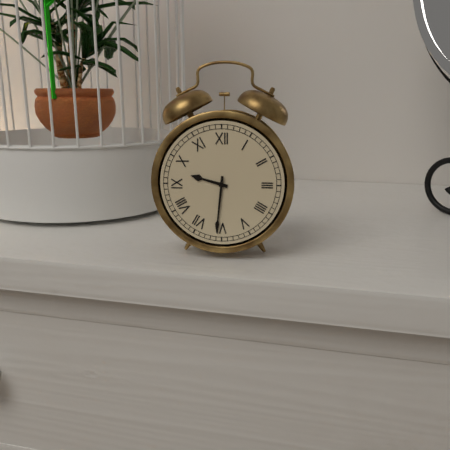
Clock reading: h=9 m=31
